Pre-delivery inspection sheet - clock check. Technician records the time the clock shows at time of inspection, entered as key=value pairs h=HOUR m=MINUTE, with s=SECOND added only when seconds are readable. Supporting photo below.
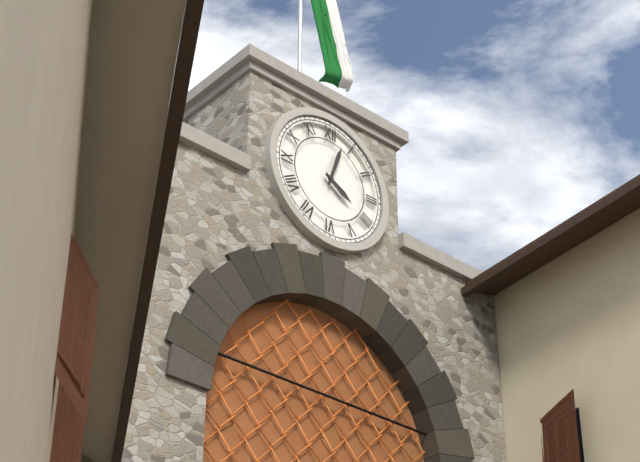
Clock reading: h=4 m=3
